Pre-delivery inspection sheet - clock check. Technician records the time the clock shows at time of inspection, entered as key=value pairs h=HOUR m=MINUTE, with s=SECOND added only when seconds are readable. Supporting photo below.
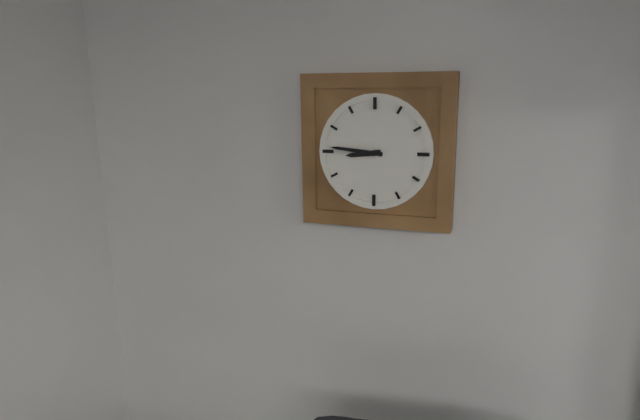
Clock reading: h=8 m=46
